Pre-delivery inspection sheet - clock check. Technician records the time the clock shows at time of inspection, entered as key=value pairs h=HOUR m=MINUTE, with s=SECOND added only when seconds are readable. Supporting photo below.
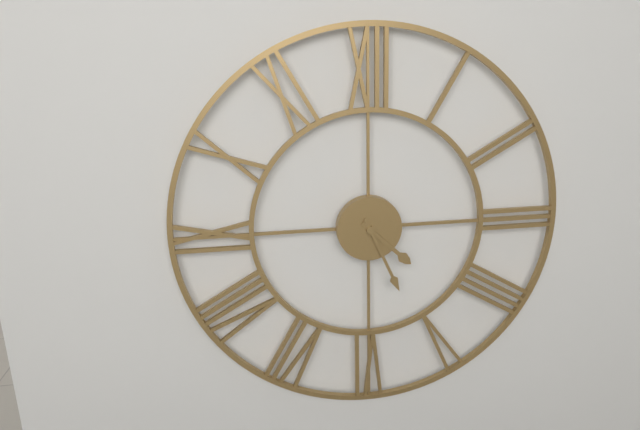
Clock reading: h=4 m=26
